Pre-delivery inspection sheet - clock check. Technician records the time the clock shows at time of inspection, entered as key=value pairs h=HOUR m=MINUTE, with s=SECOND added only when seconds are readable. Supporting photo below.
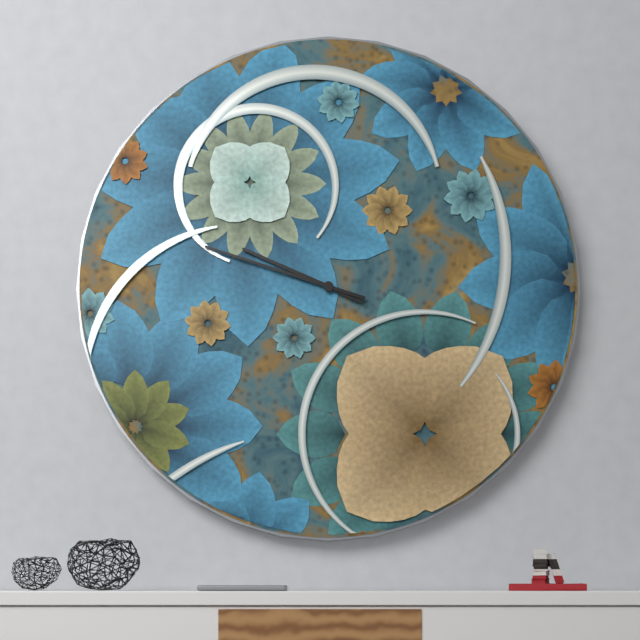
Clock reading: h=9 m=48
